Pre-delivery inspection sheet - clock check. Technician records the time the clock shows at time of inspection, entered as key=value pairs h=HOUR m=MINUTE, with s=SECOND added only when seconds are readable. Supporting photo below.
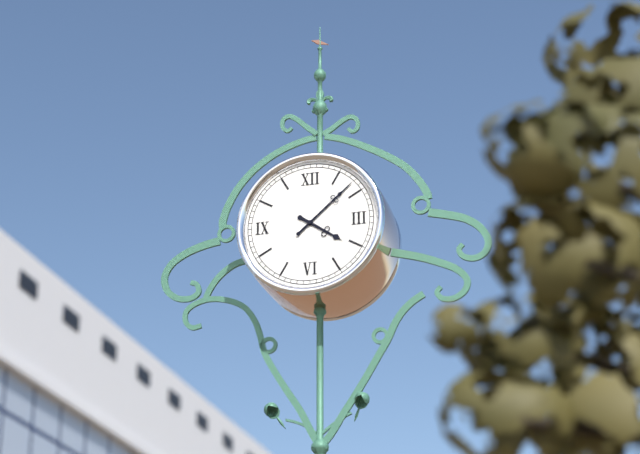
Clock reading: h=4 m=8
